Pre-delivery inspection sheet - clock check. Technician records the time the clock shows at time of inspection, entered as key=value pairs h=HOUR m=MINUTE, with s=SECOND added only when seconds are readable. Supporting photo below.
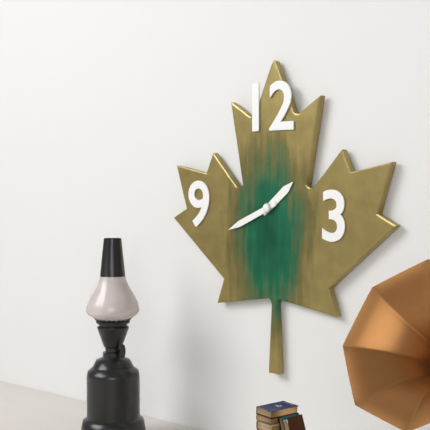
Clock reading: h=1 m=41
